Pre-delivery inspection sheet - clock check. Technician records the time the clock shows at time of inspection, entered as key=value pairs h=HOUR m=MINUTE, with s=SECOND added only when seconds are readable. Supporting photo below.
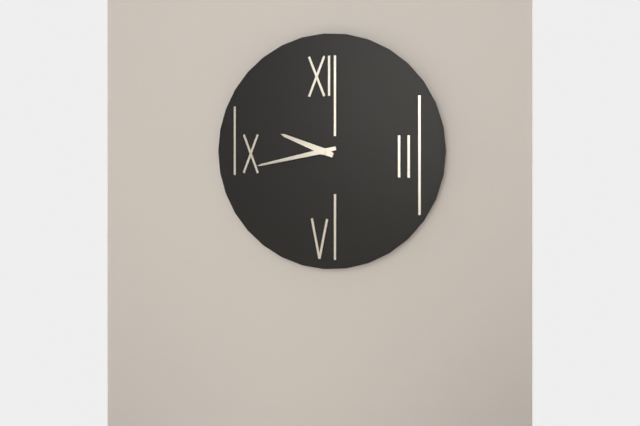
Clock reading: h=9 m=43
